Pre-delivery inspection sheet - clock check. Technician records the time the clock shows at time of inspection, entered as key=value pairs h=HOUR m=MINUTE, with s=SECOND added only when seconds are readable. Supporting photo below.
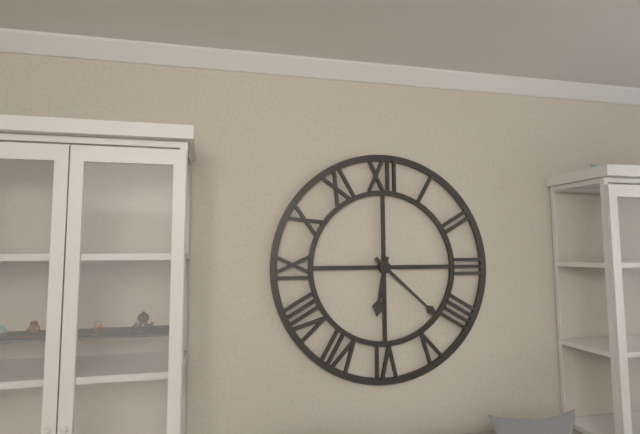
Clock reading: h=6 m=22
